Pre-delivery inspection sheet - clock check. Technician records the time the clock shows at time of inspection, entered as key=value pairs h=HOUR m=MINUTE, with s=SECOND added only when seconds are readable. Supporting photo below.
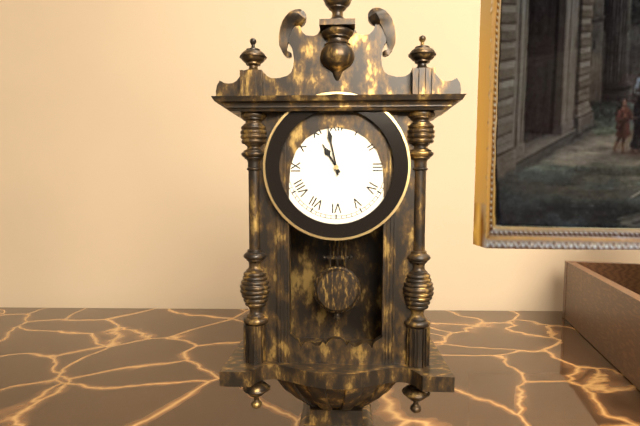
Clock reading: h=10 m=58
